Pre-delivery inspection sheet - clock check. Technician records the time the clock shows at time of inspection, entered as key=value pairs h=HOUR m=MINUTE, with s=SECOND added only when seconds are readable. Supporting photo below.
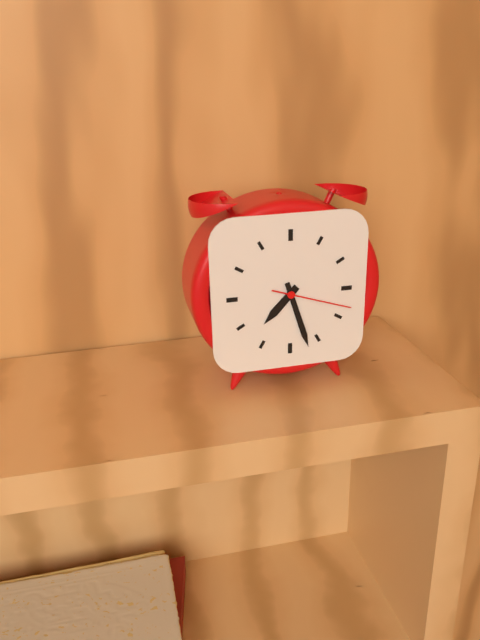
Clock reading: h=7 m=27 s=18
